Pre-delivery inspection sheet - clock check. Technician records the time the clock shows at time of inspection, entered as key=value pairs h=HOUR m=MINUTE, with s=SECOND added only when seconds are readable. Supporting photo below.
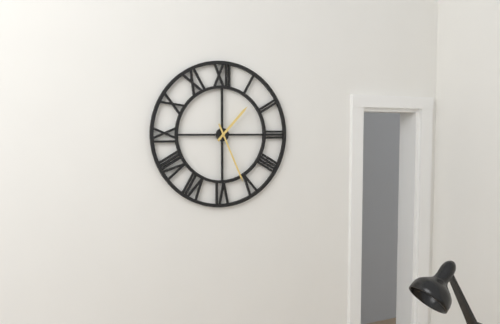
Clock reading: h=1 m=26
